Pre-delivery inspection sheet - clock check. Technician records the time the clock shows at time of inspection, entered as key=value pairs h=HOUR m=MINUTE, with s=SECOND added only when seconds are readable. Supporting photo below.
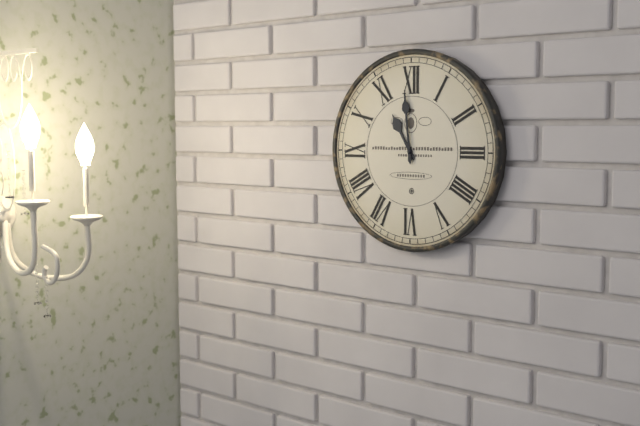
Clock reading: h=10 m=59
